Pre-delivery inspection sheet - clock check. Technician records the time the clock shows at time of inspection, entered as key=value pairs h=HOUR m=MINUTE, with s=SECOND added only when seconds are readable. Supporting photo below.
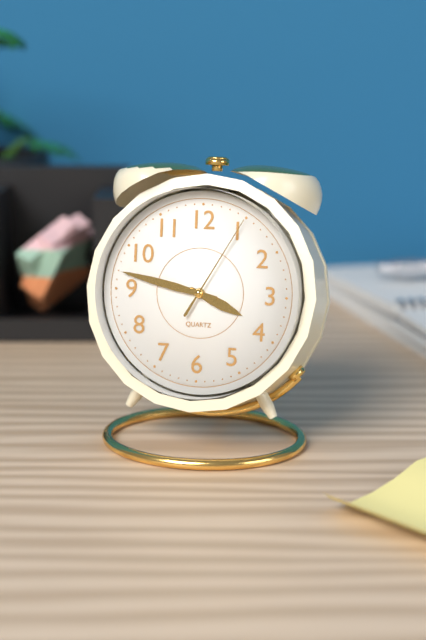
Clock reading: h=3 m=47 s=5
